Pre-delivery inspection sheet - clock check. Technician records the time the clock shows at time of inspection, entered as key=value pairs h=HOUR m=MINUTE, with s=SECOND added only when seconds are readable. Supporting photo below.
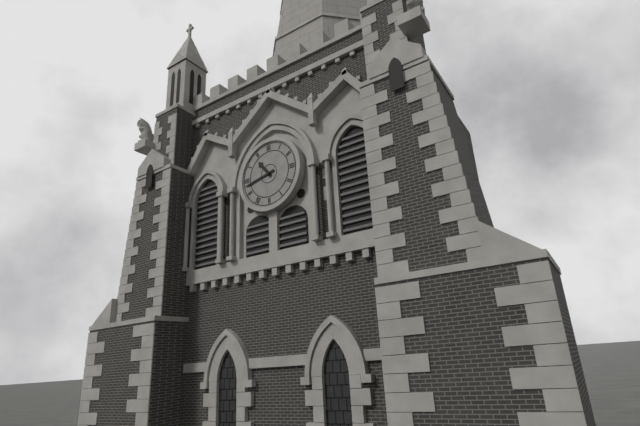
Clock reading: h=10 m=43
